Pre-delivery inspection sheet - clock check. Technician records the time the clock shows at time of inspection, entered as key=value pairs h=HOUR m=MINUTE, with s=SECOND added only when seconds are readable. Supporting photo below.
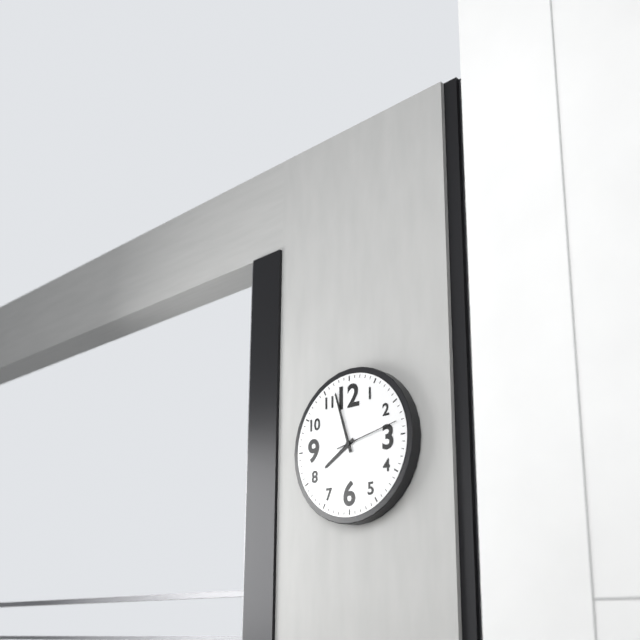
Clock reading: h=7 m=57 s=13
